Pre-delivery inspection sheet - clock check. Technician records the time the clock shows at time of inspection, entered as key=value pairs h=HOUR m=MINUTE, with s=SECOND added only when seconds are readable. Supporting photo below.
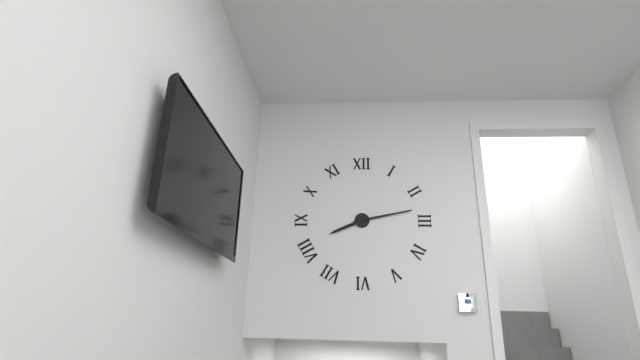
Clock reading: h=8 m=13
